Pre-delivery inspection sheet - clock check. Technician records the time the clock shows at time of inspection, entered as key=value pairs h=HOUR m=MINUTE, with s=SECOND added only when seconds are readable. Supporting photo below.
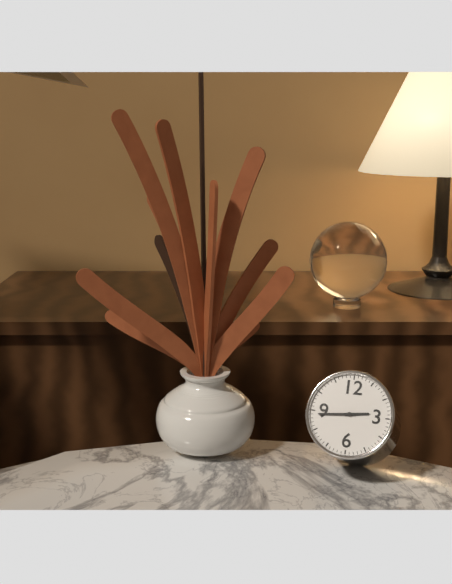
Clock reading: h=2 m=44
